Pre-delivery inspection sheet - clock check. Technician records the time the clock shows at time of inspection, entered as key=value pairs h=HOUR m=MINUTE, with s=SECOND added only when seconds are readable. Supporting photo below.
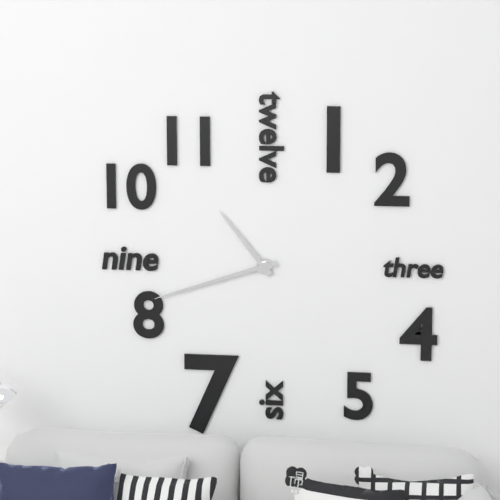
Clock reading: h=10 m=42
